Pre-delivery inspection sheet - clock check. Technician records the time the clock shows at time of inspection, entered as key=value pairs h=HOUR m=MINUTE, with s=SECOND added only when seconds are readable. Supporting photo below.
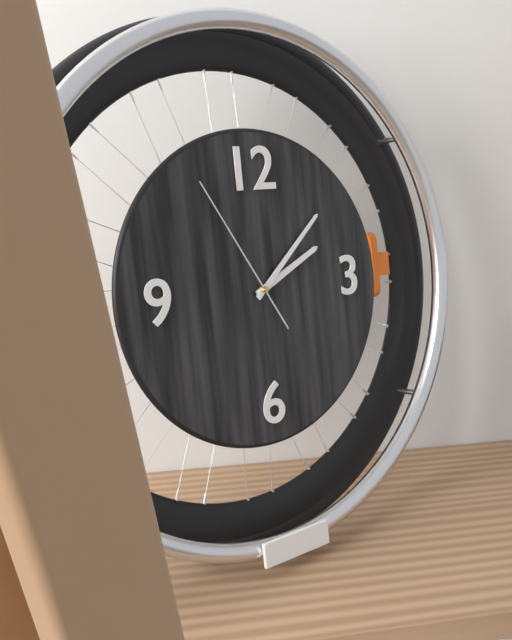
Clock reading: h=2 m=8 s=55
